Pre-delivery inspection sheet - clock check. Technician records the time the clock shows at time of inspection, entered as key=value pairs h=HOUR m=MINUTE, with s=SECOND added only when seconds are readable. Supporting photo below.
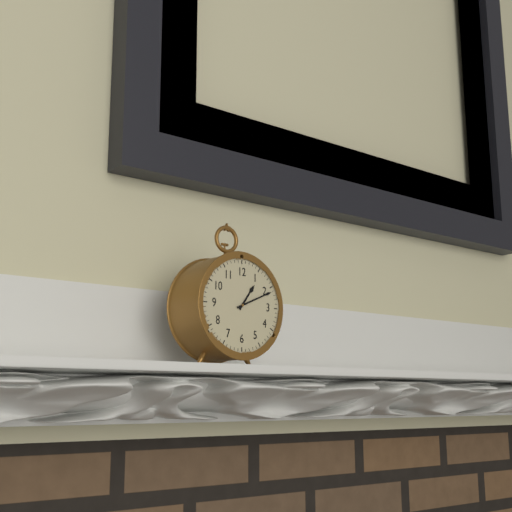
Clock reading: h=1 m=11
